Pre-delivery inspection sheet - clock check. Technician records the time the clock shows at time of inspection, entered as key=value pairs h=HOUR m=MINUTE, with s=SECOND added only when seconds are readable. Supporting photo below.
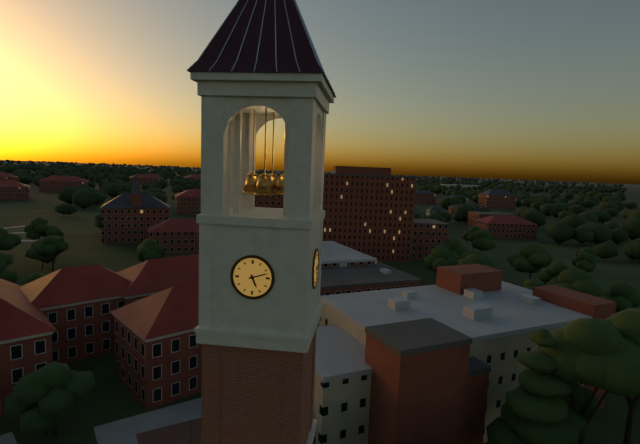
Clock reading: h=5 m=12
